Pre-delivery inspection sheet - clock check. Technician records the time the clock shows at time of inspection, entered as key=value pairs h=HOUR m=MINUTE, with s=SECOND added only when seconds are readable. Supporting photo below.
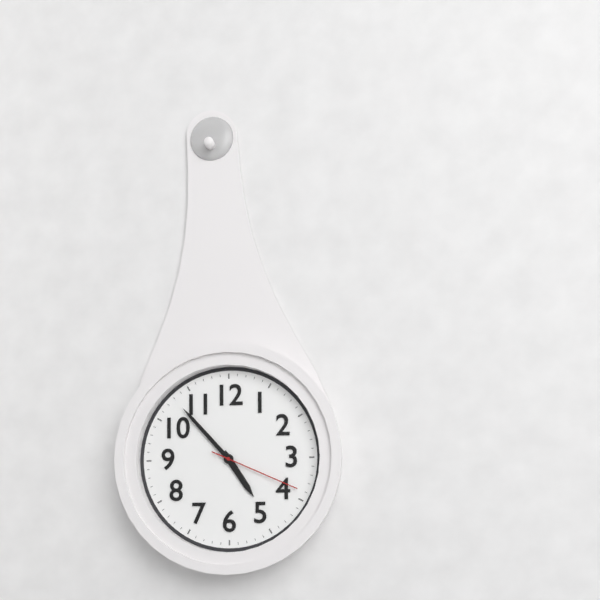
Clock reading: h=4 m=53 s=19
